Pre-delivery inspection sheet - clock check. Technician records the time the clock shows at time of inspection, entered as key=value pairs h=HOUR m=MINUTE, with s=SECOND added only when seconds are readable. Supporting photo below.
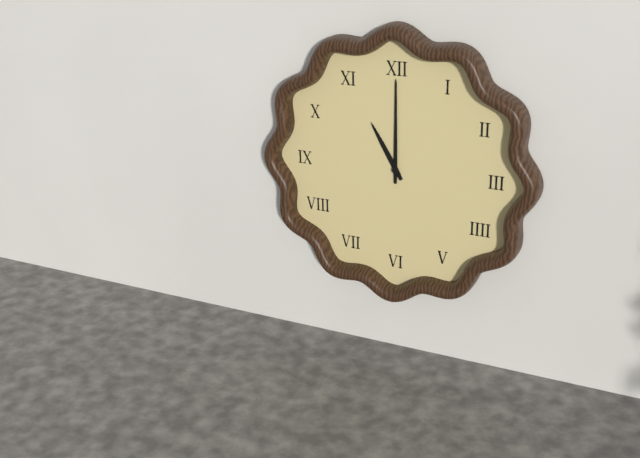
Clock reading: h=11 m=0
